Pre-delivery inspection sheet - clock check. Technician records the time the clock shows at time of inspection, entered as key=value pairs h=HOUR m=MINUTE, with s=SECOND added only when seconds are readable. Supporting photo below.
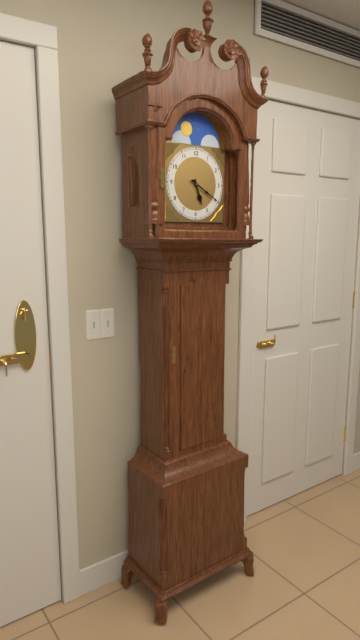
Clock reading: h=5 m=20
